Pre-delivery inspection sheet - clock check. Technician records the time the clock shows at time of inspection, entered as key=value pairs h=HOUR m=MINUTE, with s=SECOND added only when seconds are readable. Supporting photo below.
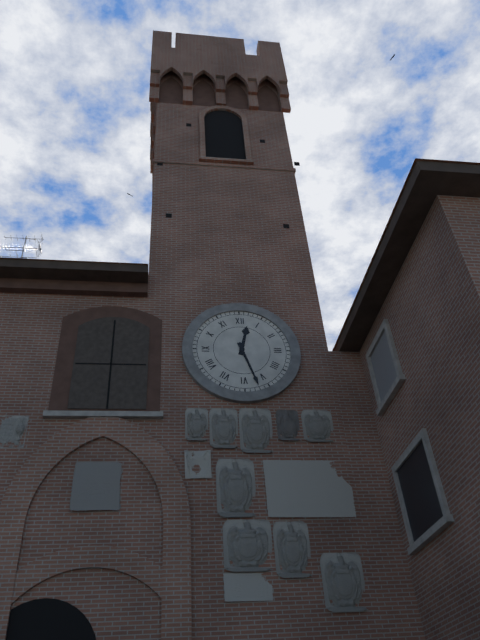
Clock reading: h=12 m=27
